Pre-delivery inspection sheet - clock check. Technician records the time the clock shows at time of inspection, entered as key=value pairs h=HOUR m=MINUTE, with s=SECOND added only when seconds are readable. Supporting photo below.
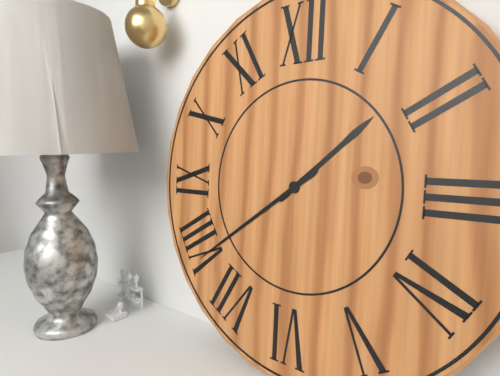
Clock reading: h=1 m=39
